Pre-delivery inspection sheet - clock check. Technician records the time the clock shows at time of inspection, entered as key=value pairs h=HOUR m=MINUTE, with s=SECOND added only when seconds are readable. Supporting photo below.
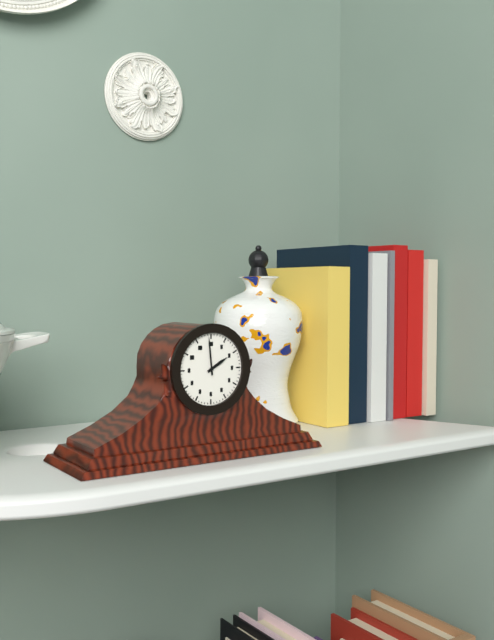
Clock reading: h=1 m=59
